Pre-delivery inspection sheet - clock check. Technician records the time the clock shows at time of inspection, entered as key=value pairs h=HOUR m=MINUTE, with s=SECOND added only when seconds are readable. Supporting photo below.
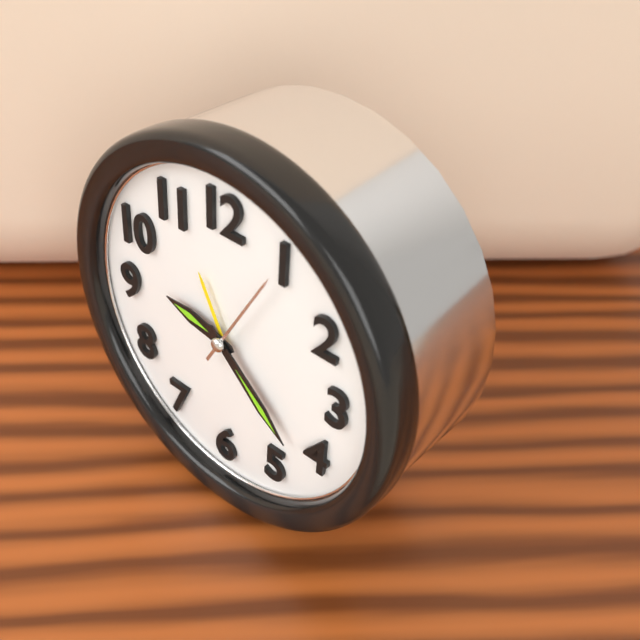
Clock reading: h=9 m=22 s=5
